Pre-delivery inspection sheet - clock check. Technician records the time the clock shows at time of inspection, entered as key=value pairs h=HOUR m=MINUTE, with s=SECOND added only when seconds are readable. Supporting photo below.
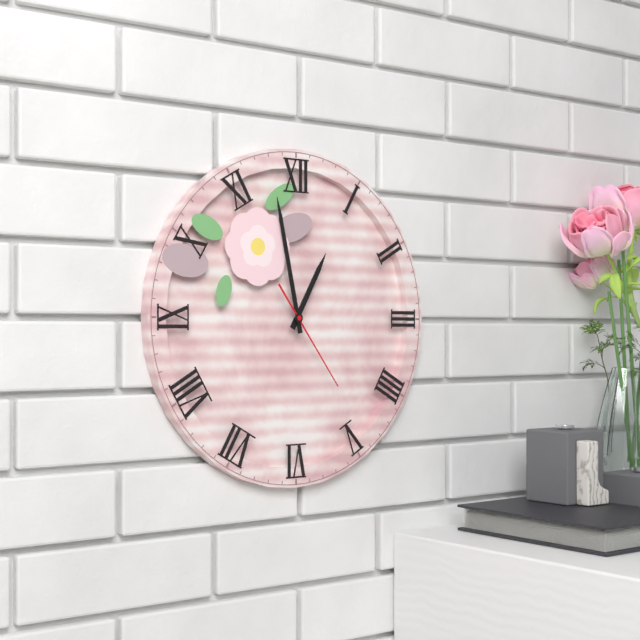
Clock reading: h=12 m=58 s=24
